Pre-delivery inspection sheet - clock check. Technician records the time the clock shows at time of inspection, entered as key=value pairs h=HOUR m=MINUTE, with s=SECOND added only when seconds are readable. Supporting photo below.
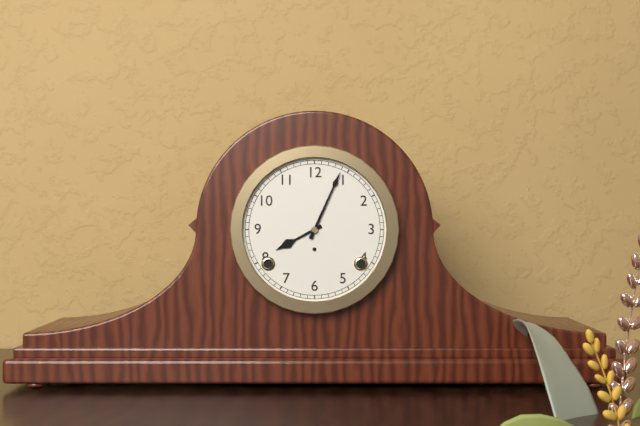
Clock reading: h=8 m=4
